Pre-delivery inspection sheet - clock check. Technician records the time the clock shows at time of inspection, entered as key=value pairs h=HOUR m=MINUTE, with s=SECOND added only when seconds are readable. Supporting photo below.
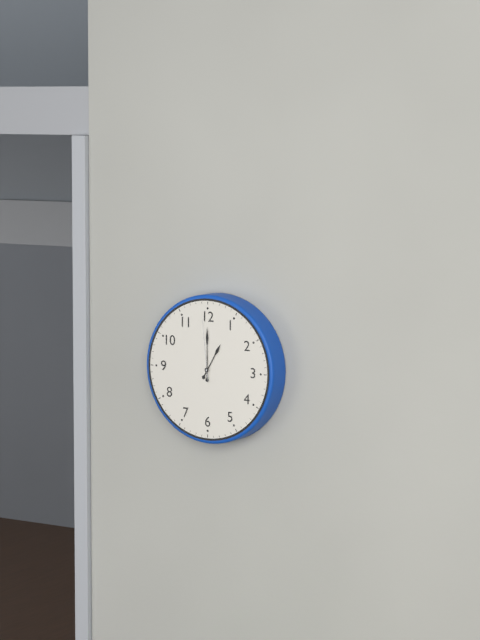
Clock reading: h=1 m=0 s=59
